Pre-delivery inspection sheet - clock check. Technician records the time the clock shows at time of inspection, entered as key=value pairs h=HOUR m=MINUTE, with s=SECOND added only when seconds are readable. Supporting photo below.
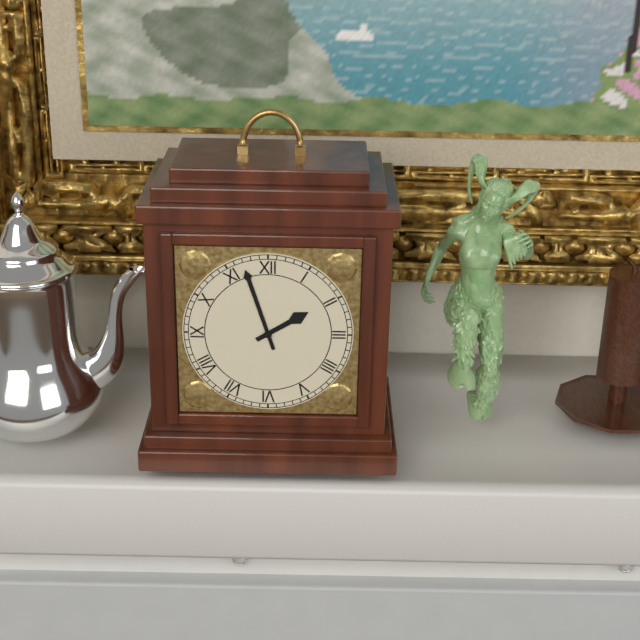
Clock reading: h=1 m=57
